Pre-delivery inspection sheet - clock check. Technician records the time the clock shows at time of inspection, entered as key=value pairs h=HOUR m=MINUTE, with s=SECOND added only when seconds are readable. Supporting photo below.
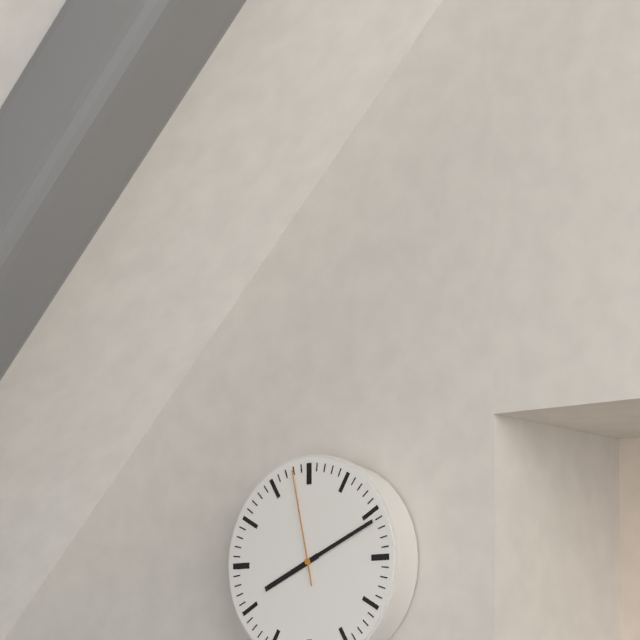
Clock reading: h=8 m=11 s=58
